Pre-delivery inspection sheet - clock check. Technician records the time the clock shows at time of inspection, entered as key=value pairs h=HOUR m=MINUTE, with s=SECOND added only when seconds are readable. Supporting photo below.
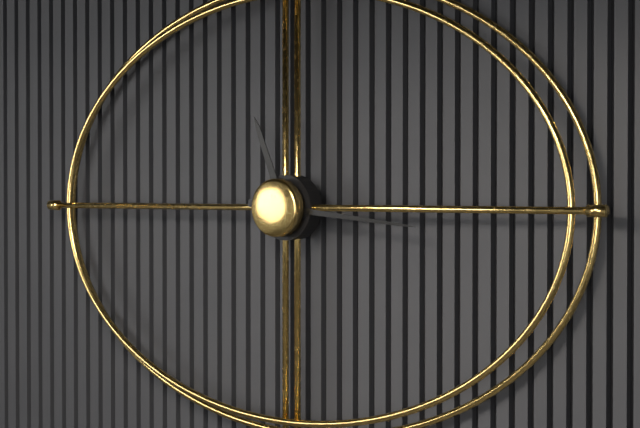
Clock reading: h=11 m=16
